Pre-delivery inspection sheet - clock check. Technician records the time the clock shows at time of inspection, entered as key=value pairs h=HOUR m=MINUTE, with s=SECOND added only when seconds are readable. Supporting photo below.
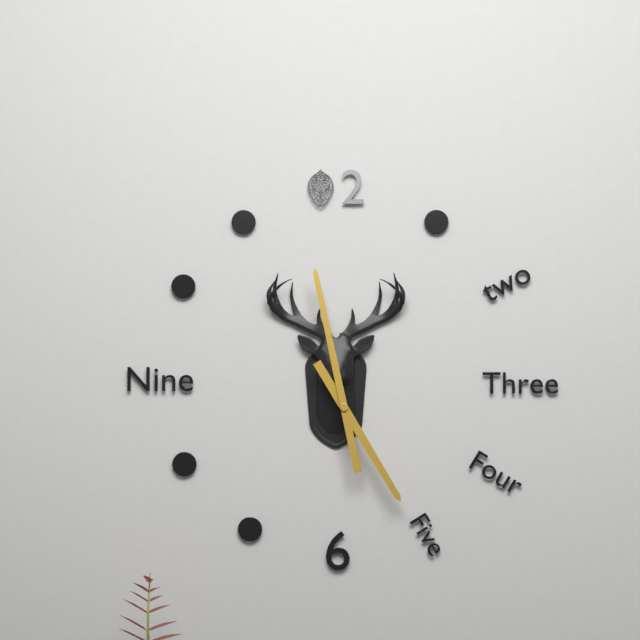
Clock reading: h=4 m=58
